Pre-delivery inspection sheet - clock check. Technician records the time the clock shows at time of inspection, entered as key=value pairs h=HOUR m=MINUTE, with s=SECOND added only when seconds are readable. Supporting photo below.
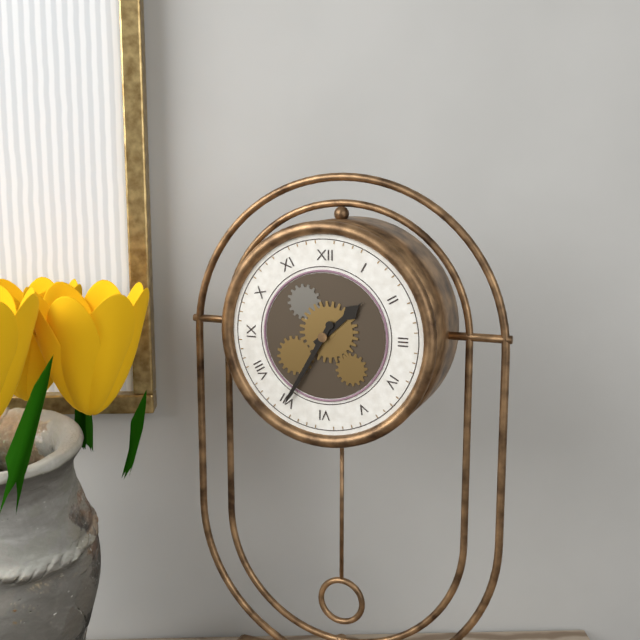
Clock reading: h=1 m=35
